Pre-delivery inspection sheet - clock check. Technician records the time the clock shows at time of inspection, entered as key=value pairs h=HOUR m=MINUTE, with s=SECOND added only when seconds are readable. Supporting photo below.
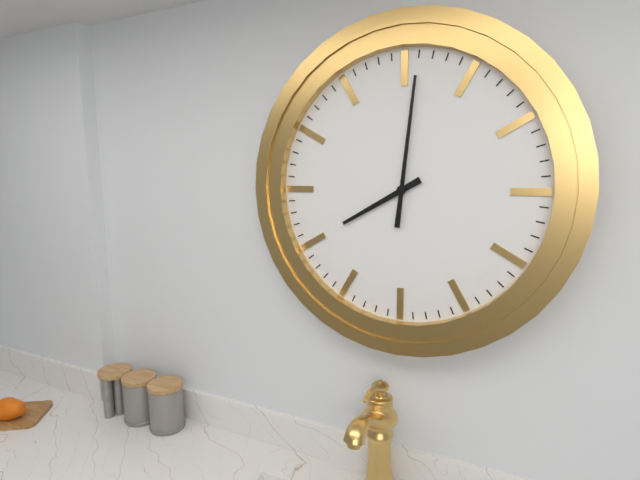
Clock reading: h=8 m=1
